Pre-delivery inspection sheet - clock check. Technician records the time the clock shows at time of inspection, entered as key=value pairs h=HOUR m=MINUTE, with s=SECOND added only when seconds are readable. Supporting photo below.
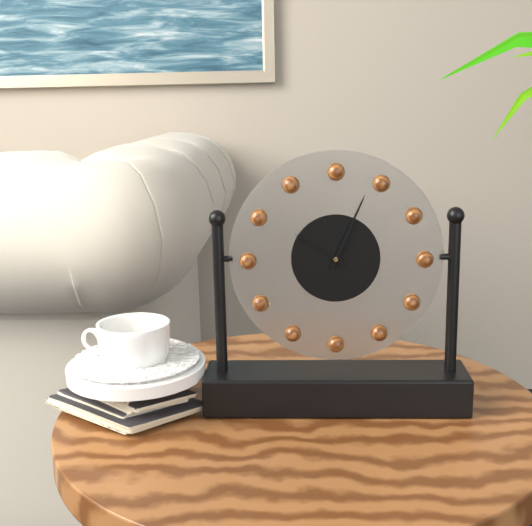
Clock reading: h=10 m=4
